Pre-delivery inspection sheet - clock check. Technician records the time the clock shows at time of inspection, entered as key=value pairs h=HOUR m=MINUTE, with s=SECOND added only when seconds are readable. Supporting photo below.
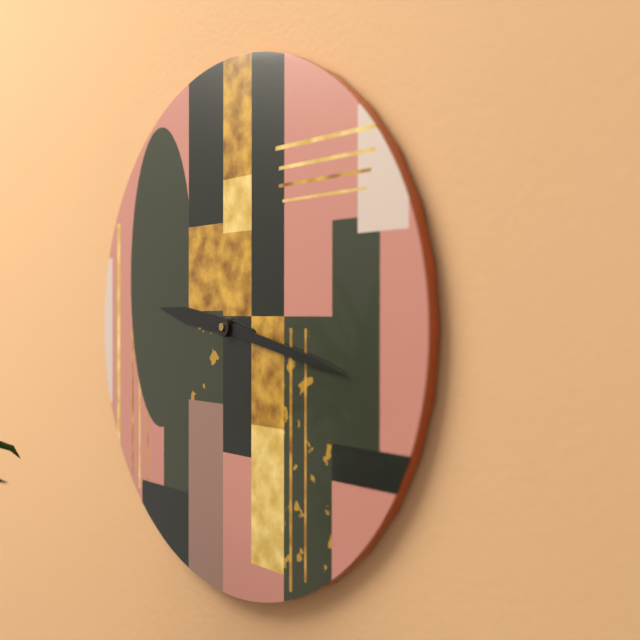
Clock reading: h=9 m=17
